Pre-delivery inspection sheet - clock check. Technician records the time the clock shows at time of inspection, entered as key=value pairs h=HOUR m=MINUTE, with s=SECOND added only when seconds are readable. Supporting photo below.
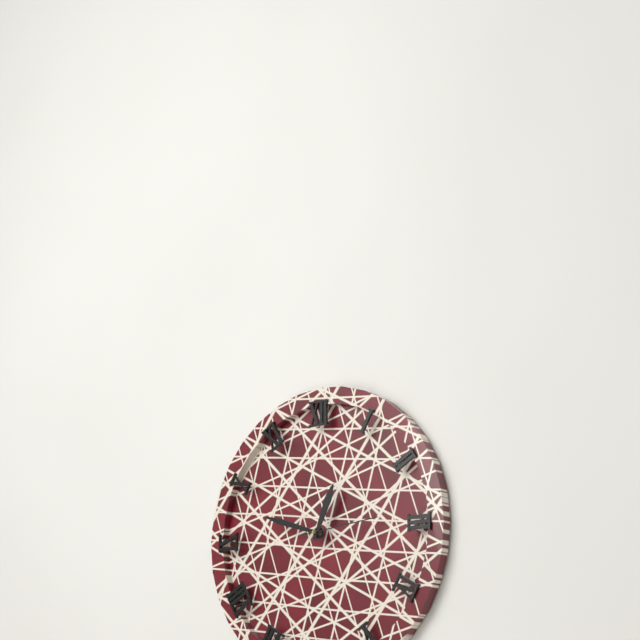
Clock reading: h=12 m=48 s=14
